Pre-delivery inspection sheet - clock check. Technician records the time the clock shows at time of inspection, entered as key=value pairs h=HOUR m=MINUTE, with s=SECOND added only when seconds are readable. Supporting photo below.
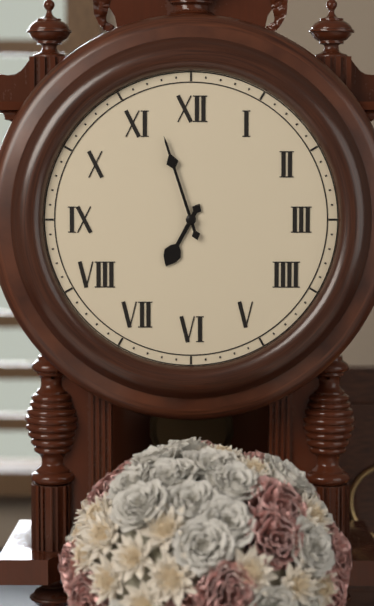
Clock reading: h=6 m=57
